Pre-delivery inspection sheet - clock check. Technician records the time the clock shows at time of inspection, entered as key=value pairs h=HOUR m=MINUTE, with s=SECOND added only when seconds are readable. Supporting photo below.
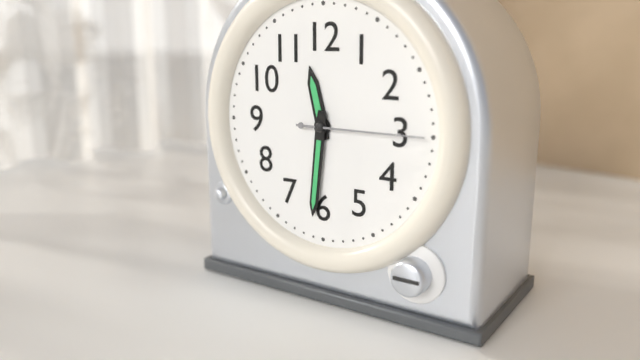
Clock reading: h=11 m=31 s=15
